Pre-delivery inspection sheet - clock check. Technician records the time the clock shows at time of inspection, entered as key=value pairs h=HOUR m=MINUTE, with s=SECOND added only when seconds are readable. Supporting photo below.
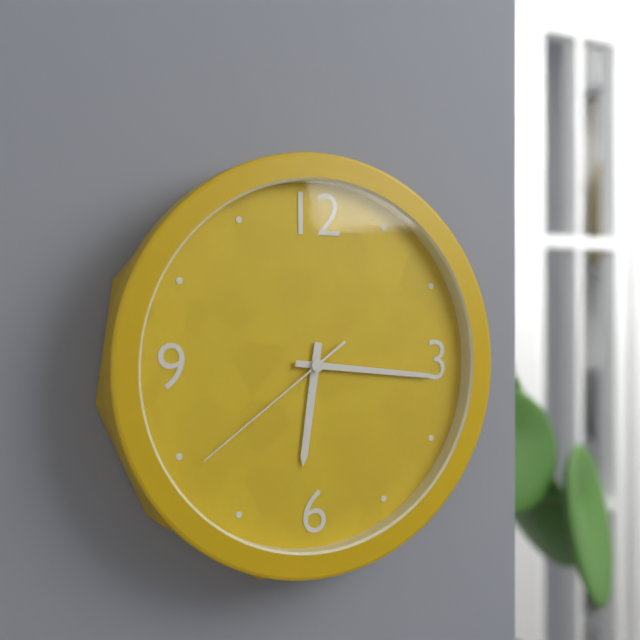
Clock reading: h=6 m=16 s=39
